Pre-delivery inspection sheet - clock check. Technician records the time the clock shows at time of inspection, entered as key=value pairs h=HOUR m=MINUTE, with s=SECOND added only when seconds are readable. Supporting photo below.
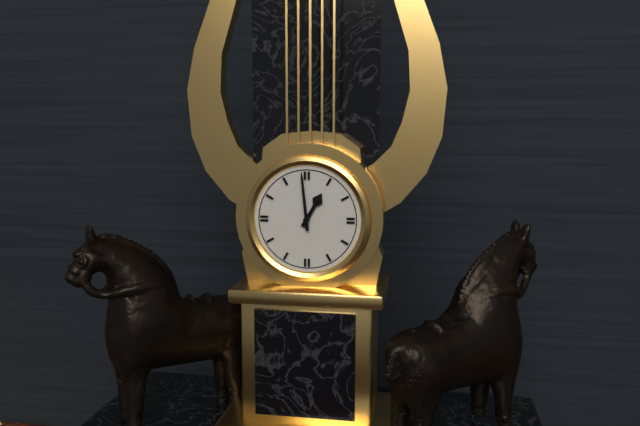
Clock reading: h=12 m=59
